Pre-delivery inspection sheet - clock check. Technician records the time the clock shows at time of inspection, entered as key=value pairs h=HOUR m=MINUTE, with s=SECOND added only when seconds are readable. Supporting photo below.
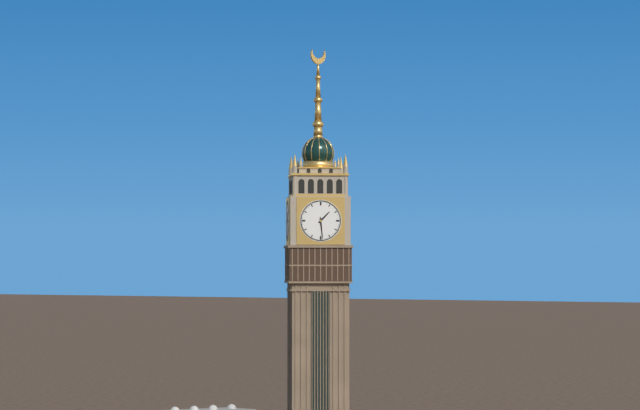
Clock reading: h=1 m=29
